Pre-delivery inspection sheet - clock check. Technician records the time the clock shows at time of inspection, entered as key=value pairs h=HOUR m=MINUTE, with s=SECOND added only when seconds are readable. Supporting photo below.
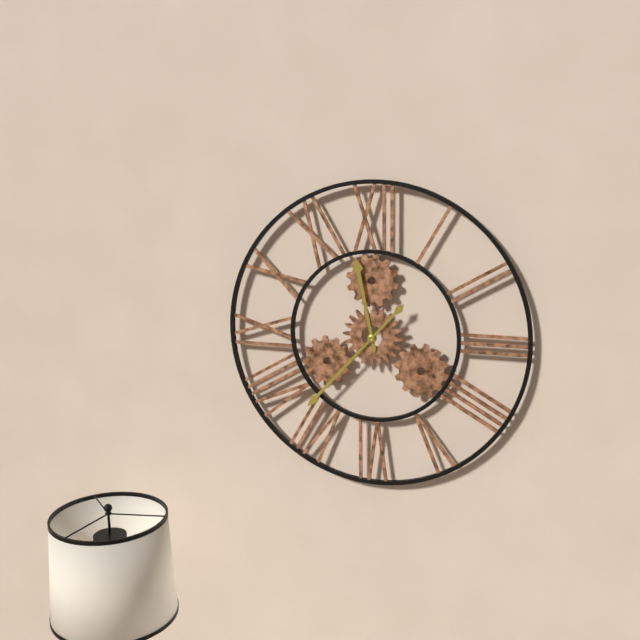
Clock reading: h=11 m=37
